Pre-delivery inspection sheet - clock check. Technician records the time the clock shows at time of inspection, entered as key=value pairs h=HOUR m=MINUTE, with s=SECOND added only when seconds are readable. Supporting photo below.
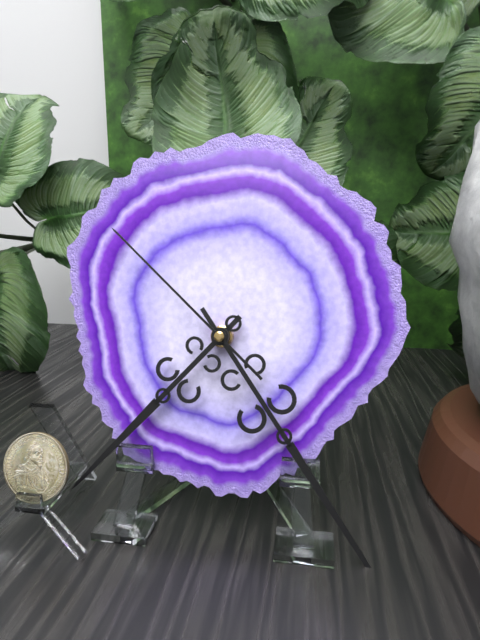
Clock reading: h=7 m=24 s=52
